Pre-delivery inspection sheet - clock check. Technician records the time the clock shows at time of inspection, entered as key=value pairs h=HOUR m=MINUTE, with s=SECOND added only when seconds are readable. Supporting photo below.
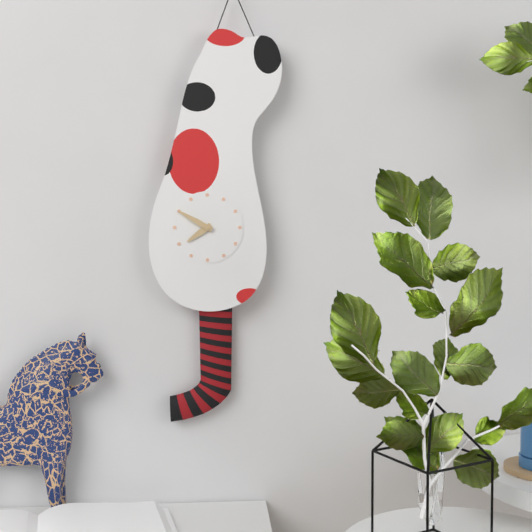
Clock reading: h=7 m=50
